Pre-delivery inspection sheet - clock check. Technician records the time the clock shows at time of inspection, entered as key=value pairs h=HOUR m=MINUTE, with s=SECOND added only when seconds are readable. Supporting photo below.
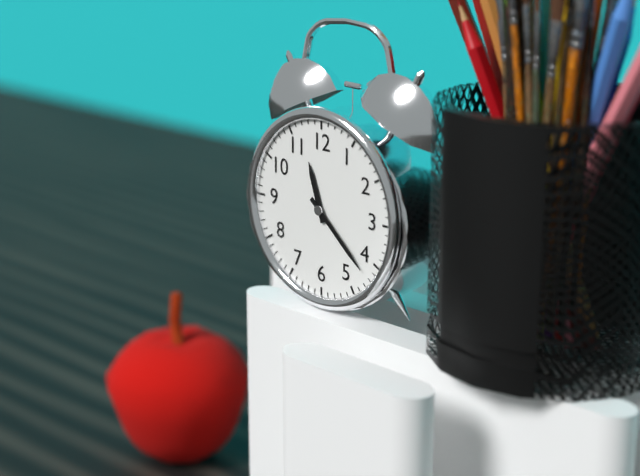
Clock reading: h=11 m=22
